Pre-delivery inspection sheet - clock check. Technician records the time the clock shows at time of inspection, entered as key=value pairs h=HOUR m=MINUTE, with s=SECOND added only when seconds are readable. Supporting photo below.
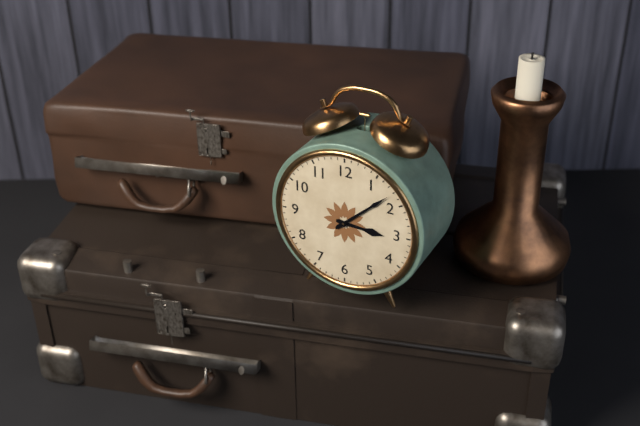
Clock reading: h=3 m=8
